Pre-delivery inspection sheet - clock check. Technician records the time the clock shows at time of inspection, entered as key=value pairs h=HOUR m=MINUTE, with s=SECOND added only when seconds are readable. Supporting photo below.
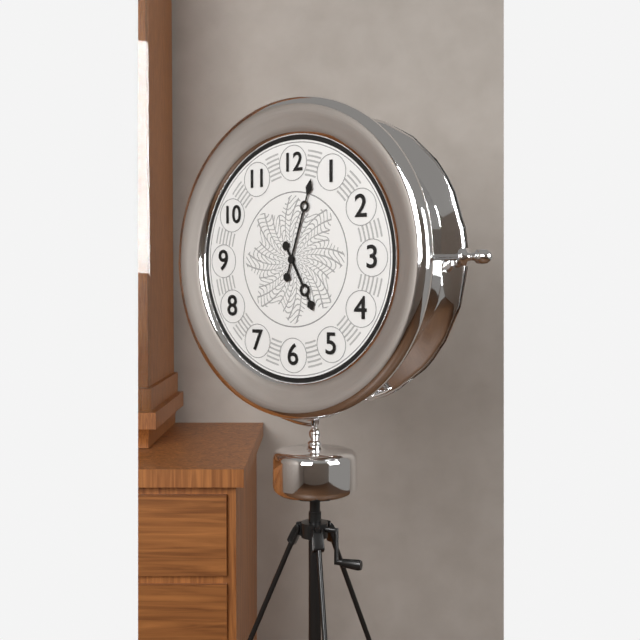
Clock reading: h=5 m=3
